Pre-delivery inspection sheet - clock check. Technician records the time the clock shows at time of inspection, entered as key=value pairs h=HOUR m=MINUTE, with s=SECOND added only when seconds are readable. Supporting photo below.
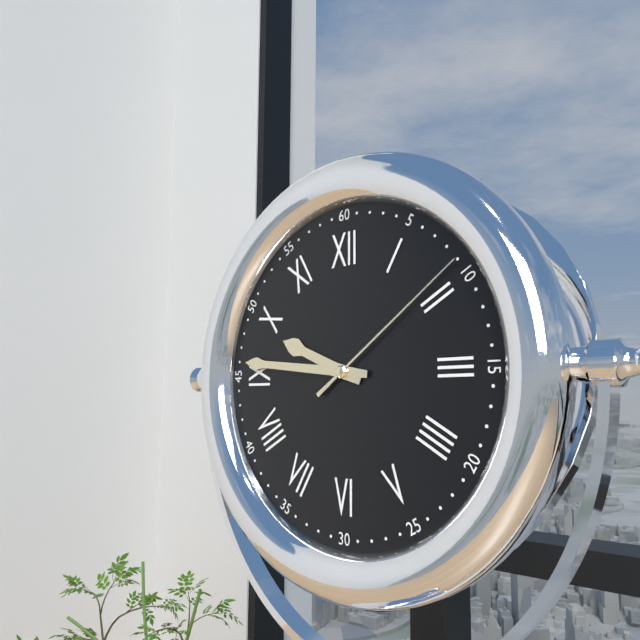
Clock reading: h=9 m=46 s=9
